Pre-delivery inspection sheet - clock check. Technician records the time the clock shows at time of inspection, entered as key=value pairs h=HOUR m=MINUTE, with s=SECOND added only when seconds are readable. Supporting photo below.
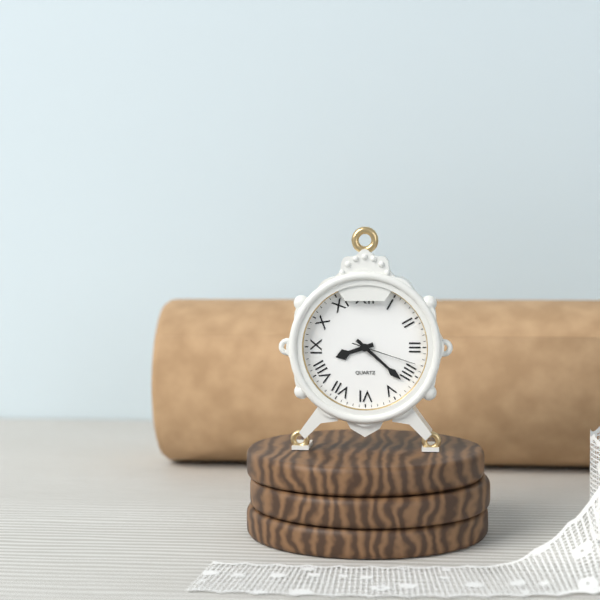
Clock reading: h=8 m=22 s=18
